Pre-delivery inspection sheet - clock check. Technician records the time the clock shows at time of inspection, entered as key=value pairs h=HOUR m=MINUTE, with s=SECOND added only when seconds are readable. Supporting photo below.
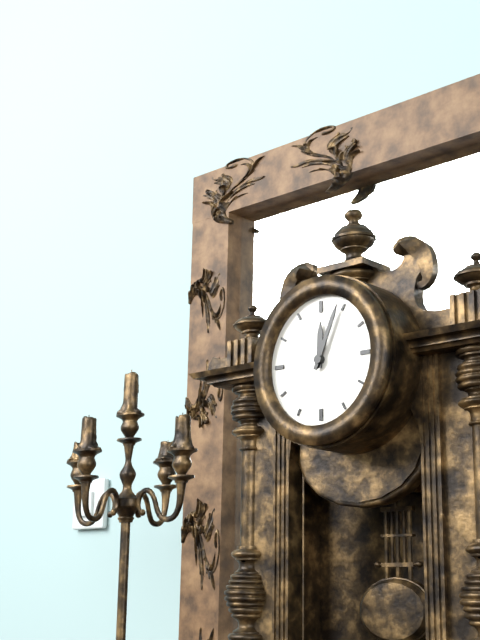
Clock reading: h=12 m=4
